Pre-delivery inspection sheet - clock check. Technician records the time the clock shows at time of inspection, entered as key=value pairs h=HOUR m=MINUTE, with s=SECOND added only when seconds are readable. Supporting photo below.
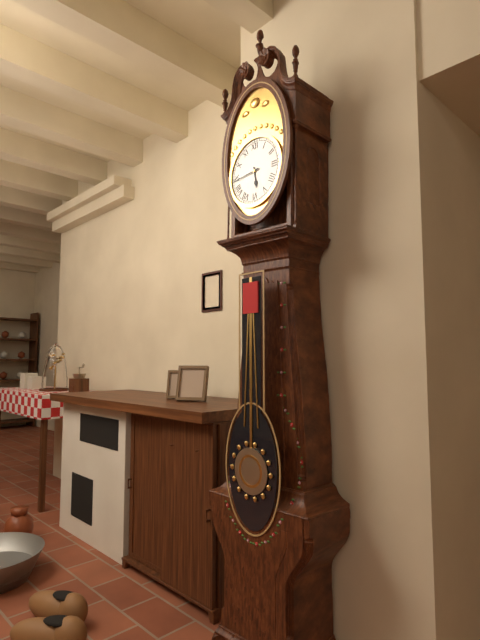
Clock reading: h=5 m=44
